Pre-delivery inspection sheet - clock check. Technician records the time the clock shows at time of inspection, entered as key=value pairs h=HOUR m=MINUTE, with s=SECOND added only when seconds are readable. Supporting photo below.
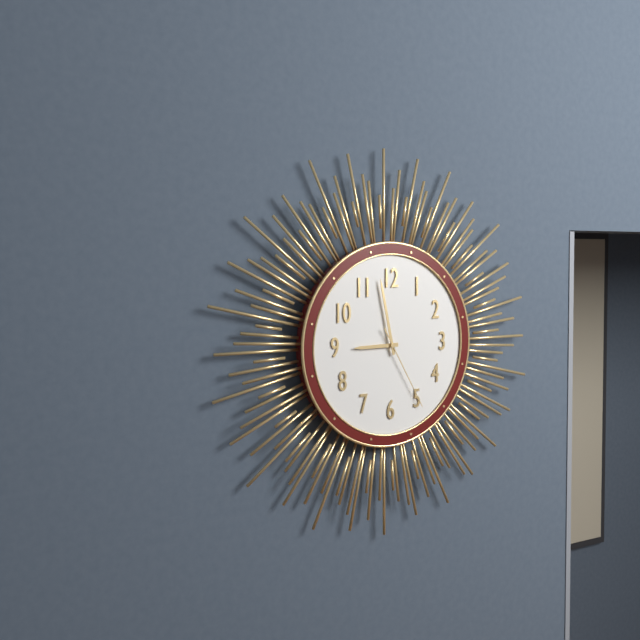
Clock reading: h=8 m=58 s=25
